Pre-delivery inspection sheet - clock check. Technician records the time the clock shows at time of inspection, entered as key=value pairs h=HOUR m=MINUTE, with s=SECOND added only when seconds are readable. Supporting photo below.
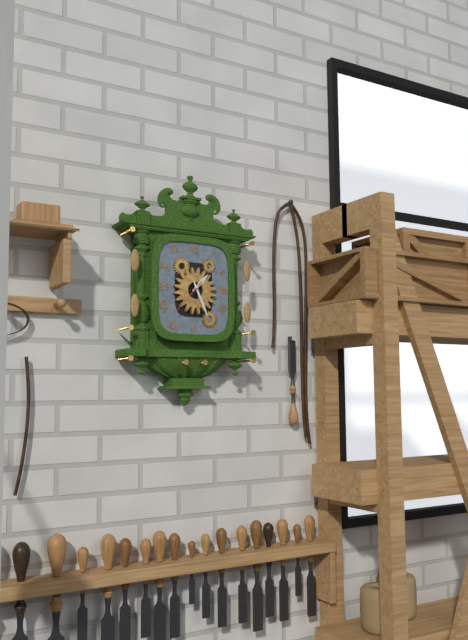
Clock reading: h=1 m=26
